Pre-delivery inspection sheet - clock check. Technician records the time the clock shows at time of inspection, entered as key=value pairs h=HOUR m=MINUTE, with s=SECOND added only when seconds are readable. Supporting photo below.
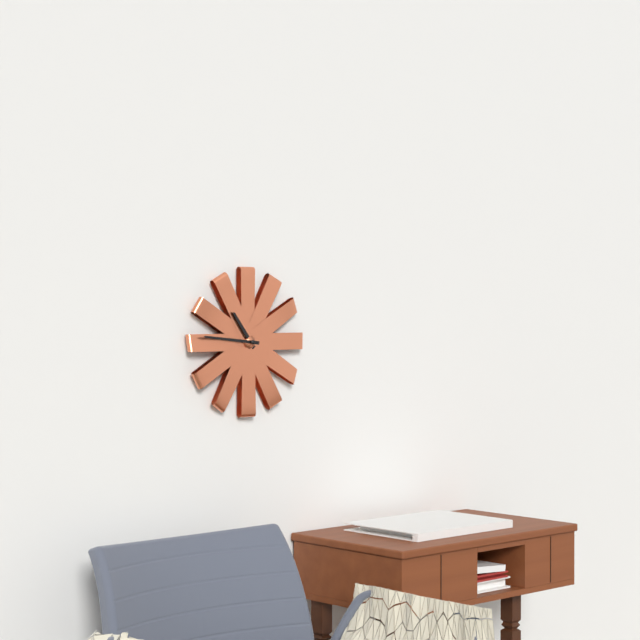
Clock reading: h=10 m=46
